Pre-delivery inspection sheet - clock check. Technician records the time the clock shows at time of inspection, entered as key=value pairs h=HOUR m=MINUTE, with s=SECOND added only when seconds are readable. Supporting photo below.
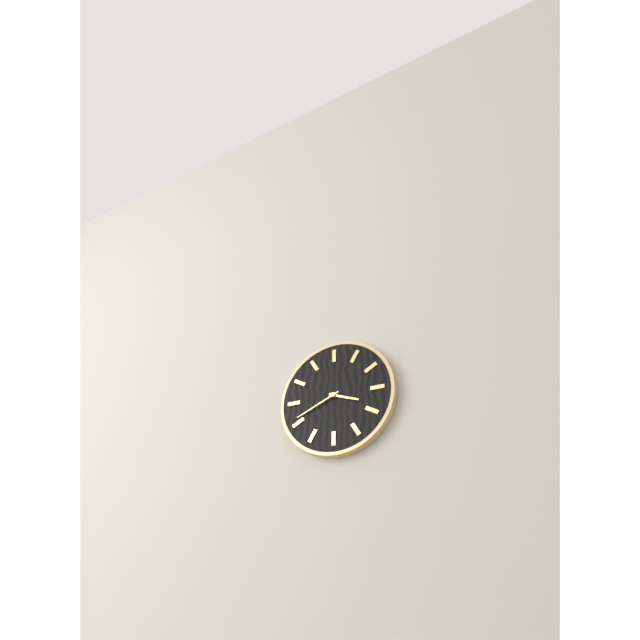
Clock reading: h=3 m=41
